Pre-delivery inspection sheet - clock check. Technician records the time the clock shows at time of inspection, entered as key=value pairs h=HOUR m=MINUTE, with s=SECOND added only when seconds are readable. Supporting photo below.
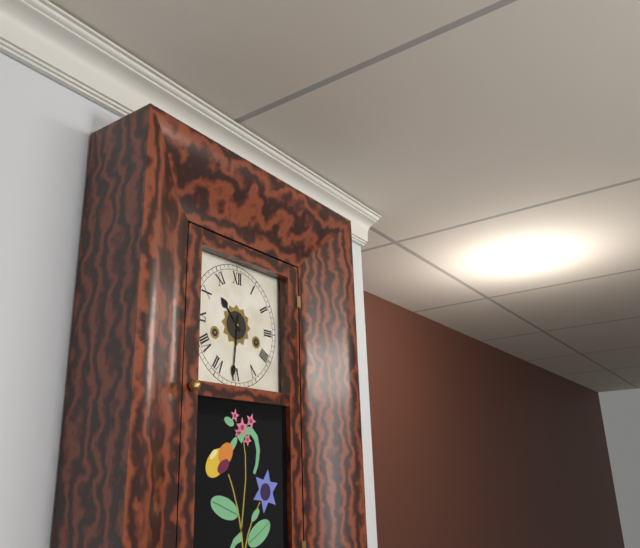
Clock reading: h=10 m=31
